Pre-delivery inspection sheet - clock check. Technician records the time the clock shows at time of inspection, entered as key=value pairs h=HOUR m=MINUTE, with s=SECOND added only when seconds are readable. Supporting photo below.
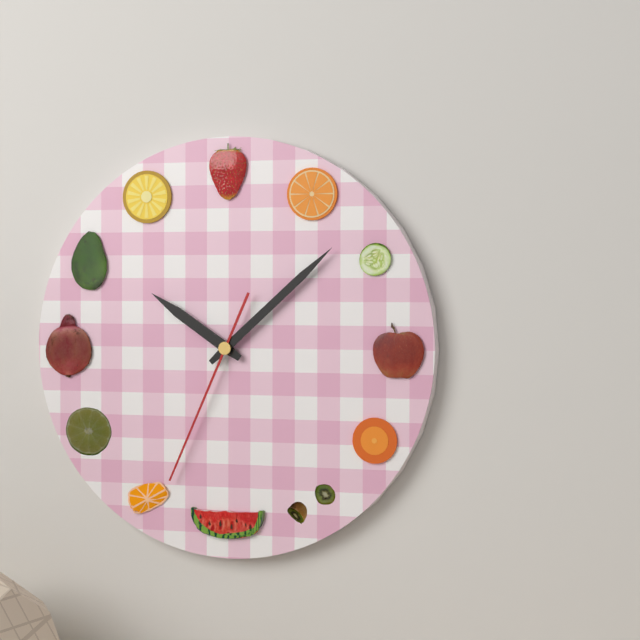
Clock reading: h=10 m=8 s=34
